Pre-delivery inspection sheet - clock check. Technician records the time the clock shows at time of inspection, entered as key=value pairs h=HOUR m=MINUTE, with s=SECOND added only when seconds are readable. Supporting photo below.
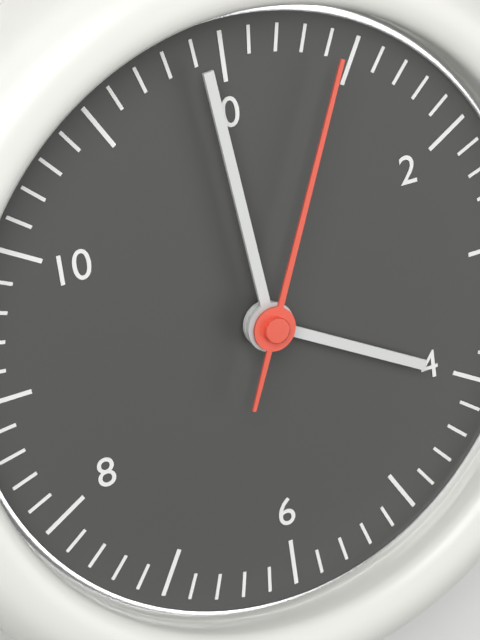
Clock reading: h=3 m=59 s=4
